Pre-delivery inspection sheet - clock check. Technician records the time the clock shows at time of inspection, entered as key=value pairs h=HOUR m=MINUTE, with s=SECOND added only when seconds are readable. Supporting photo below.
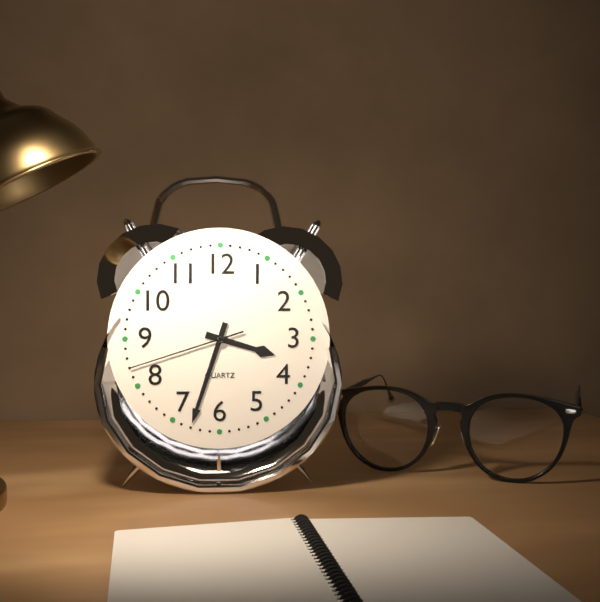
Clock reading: h=3 m=33 s=42
